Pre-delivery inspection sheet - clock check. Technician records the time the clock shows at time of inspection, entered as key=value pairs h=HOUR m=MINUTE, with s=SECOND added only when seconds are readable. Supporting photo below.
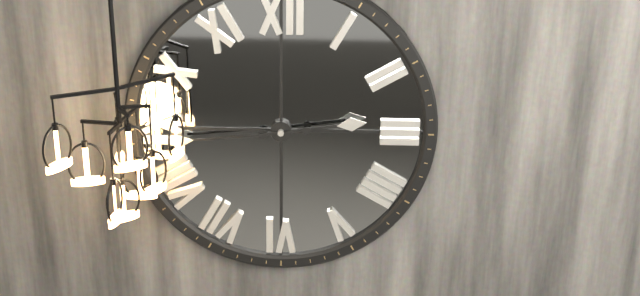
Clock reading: h=2 m=44
